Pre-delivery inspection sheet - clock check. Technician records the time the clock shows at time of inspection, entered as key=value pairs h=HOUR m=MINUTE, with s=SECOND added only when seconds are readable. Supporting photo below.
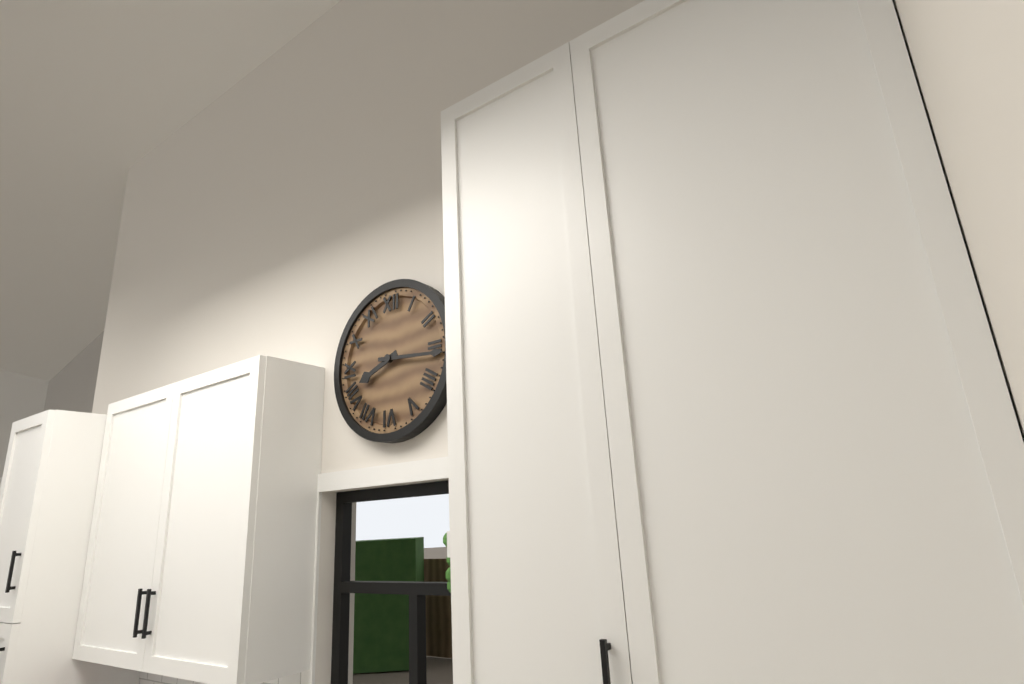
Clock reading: h=8 m=16
